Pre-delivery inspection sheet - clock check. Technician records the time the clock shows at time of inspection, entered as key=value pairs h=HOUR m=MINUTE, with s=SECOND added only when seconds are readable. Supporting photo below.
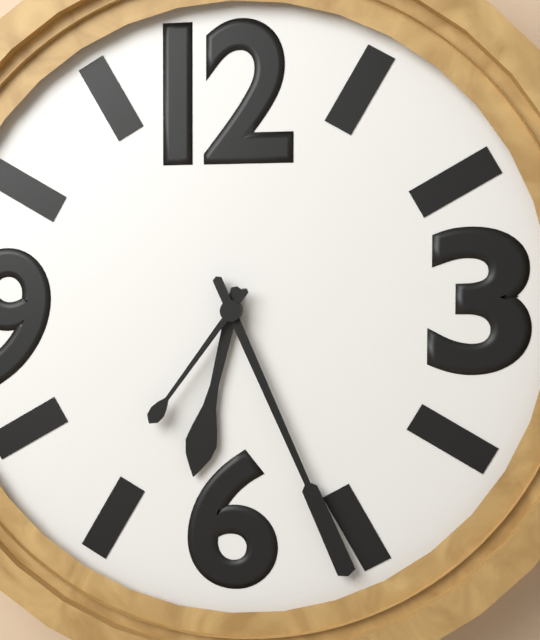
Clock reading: h=6 m=26 s=36
